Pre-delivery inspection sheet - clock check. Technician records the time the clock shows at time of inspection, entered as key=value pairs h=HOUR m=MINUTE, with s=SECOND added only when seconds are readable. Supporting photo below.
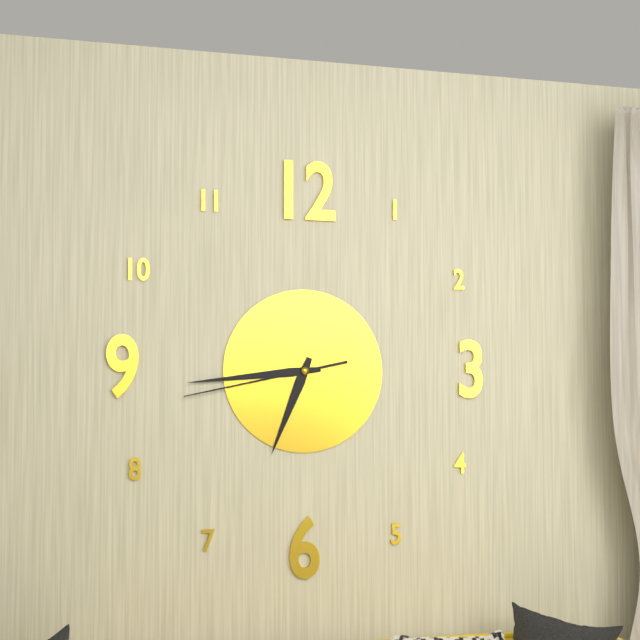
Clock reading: h=6 m=44 s=43
